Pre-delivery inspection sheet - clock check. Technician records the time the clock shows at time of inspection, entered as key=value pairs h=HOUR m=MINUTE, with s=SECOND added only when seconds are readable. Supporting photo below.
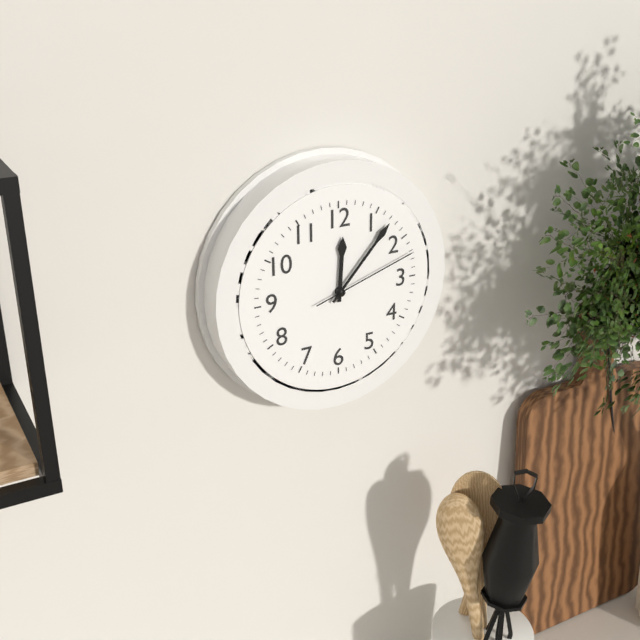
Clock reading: h=12 m=7 s=12
